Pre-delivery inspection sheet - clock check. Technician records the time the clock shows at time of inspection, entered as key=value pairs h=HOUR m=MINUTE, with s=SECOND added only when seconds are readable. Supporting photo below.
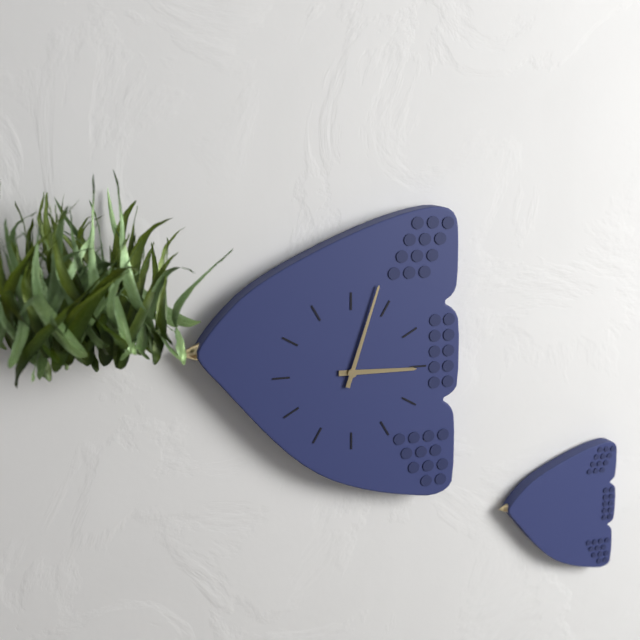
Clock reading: h=3 m=3
